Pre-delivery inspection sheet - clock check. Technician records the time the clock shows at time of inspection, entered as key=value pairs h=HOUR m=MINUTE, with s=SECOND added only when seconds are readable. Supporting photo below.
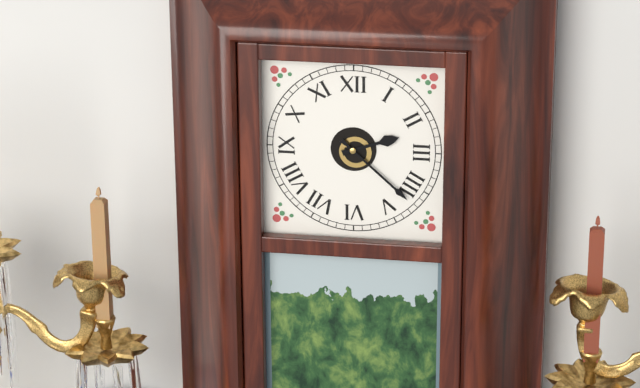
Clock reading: h=2 m=22
